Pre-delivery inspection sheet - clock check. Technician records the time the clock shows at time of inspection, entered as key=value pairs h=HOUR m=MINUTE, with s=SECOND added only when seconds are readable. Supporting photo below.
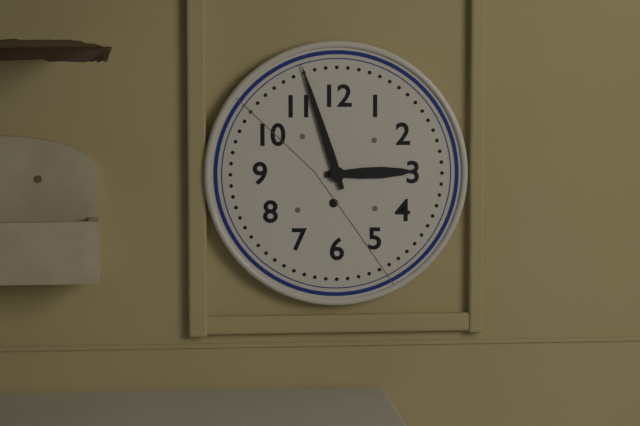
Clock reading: h=2 m=57
